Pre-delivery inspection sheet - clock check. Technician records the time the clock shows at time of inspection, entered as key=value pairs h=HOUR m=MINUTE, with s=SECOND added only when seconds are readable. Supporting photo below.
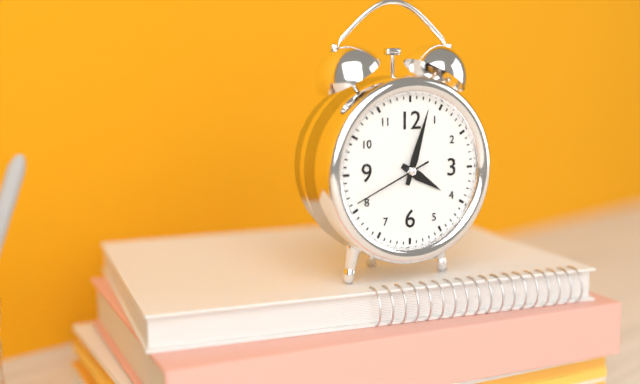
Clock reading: h=4 m=3 s=41
